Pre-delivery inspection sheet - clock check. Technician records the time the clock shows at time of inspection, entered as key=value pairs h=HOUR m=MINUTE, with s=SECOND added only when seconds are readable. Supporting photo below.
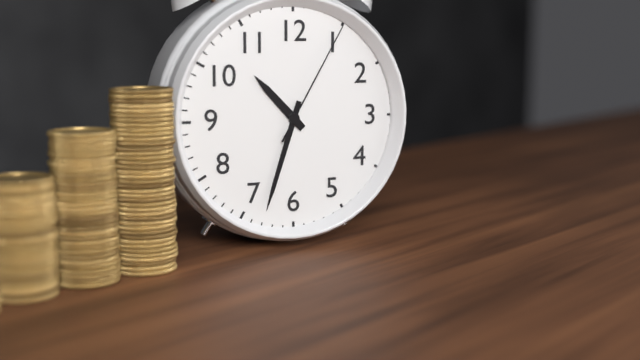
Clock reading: h=10 m=33 s=5
